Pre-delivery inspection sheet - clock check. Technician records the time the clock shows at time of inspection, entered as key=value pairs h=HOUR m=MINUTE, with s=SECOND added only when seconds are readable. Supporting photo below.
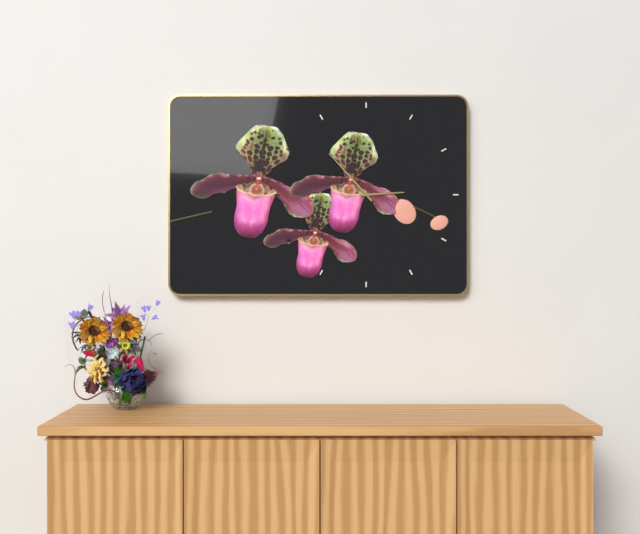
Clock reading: h=2 m=53
